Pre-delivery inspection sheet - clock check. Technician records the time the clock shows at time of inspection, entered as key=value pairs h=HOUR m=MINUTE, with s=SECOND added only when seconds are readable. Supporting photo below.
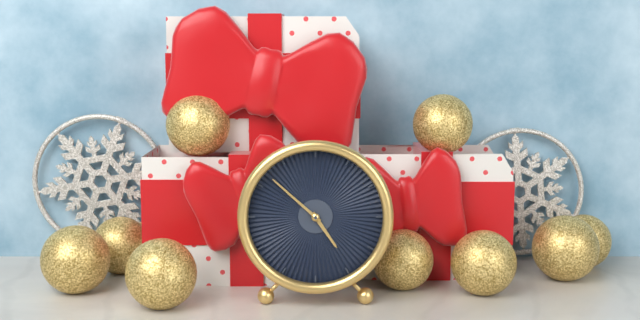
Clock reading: h=4 m=52
